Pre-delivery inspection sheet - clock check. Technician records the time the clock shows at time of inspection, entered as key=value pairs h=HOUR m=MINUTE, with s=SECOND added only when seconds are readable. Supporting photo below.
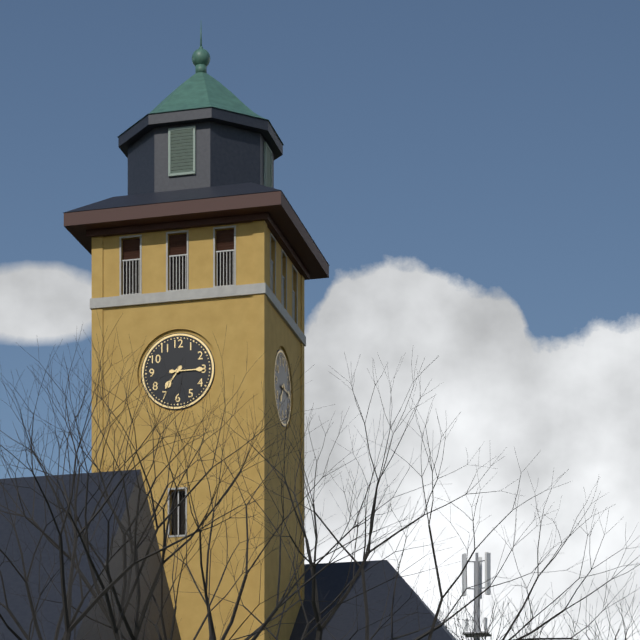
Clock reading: h=7 m=15
